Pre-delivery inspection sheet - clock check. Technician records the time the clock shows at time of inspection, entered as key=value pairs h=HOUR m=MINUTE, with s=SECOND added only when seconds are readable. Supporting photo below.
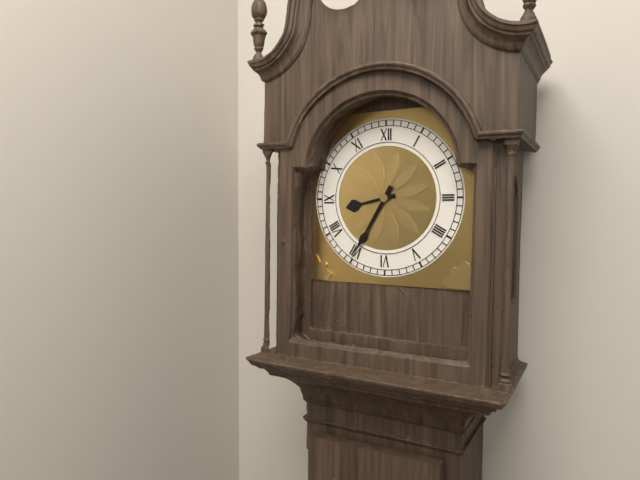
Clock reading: h=8 m=35
